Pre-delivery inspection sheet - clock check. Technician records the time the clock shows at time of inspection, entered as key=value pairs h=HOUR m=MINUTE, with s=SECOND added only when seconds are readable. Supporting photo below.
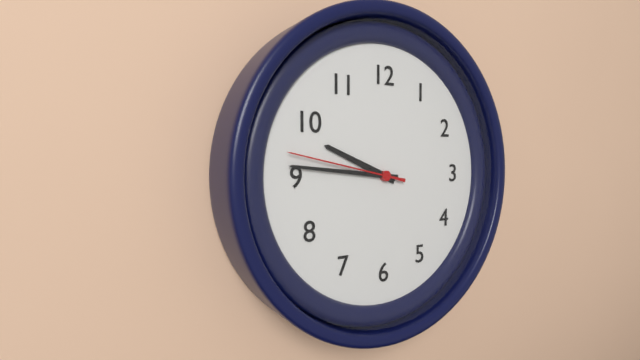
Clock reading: h=9 m=46 s=47
